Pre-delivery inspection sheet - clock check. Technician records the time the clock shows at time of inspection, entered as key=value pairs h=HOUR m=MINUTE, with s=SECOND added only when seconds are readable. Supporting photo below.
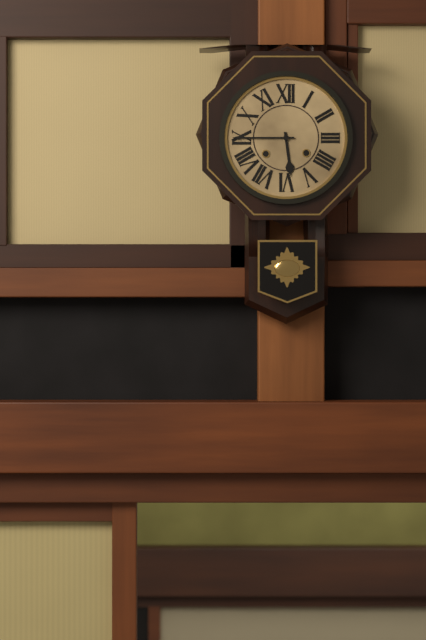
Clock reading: h=5 m=45
